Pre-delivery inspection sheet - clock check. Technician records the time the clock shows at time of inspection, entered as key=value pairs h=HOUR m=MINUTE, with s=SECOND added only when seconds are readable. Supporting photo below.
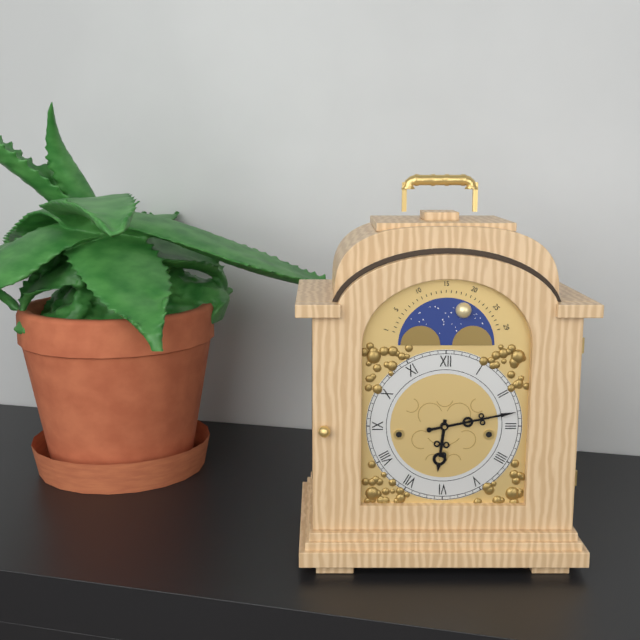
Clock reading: h=6 m=13
